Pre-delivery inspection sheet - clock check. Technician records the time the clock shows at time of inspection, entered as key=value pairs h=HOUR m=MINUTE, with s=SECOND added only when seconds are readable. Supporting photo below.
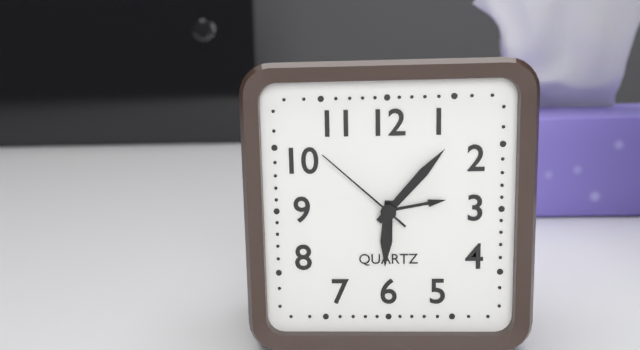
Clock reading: h=6 m=7 s=52
